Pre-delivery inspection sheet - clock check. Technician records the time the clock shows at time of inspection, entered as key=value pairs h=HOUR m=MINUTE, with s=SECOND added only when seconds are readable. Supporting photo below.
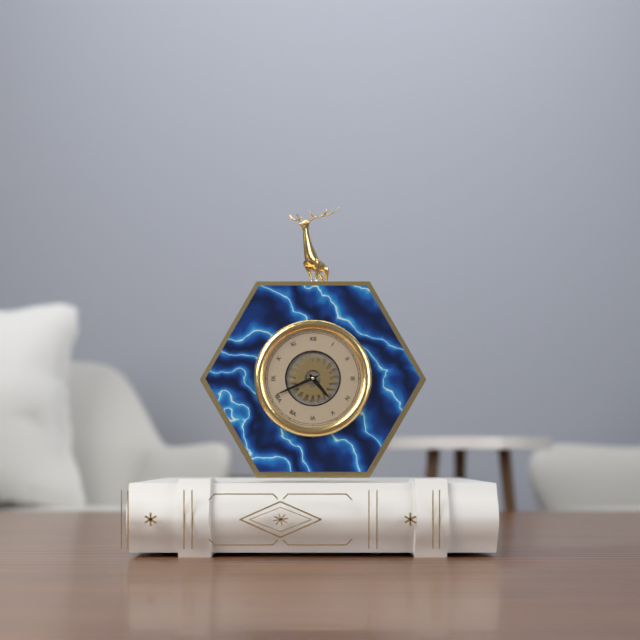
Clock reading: h=4 m=41
